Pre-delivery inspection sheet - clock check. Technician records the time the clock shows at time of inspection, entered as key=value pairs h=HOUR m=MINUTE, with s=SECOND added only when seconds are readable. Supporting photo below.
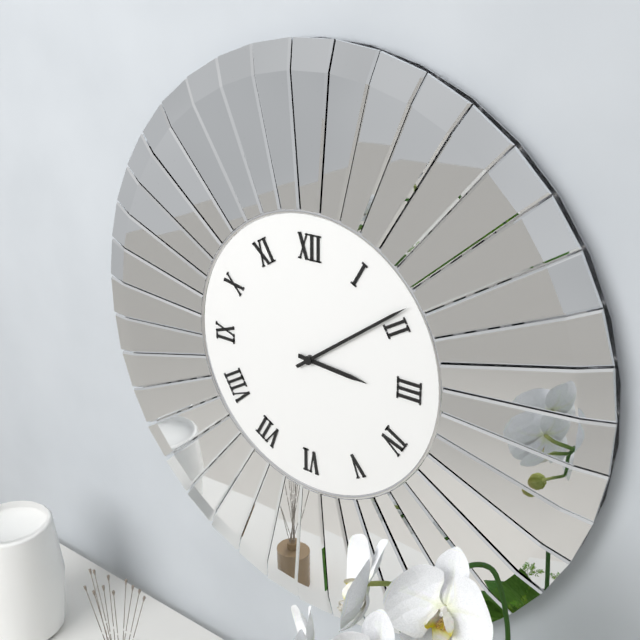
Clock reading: h=3 m=9
